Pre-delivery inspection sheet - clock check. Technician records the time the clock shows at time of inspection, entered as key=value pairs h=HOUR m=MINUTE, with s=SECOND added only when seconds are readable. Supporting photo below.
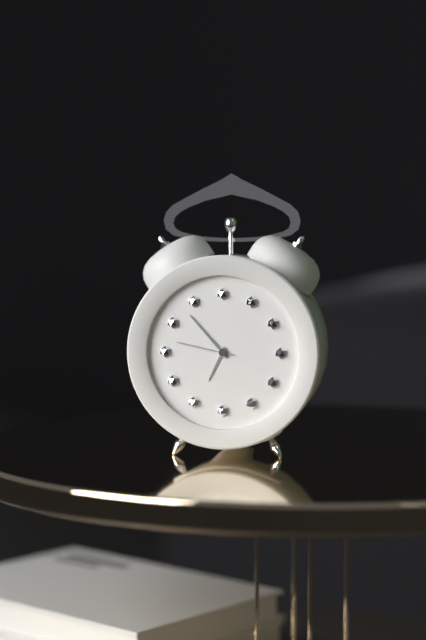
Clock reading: h=6 m=53 s=47
